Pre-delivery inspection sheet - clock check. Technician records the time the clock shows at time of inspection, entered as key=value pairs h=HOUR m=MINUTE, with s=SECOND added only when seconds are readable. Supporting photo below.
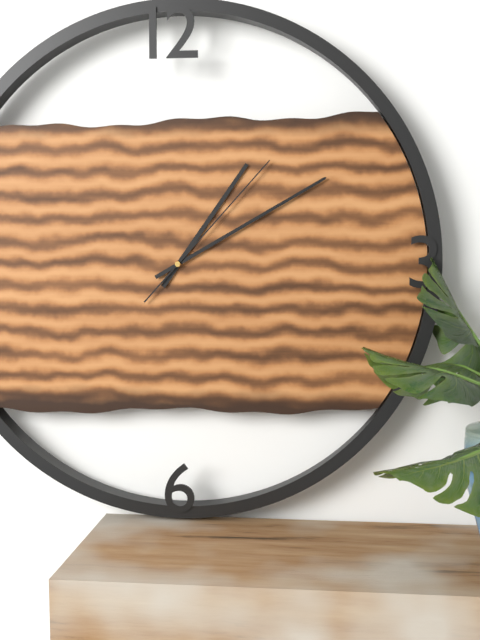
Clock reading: h=1 m=10 s=7
